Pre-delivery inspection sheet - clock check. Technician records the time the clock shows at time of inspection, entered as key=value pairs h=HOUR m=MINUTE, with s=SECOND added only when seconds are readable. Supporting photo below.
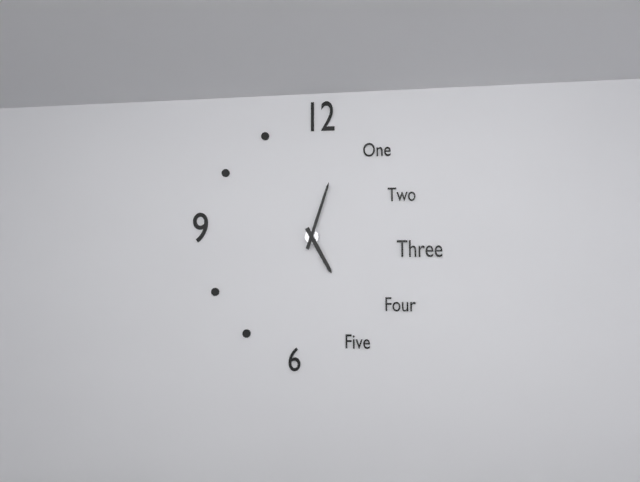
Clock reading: h=5 m=3
